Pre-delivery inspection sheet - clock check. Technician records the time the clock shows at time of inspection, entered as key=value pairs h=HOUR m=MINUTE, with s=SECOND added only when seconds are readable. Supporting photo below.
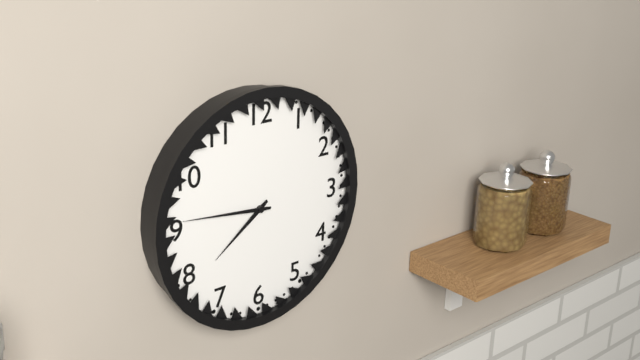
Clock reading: h=7 m=46
